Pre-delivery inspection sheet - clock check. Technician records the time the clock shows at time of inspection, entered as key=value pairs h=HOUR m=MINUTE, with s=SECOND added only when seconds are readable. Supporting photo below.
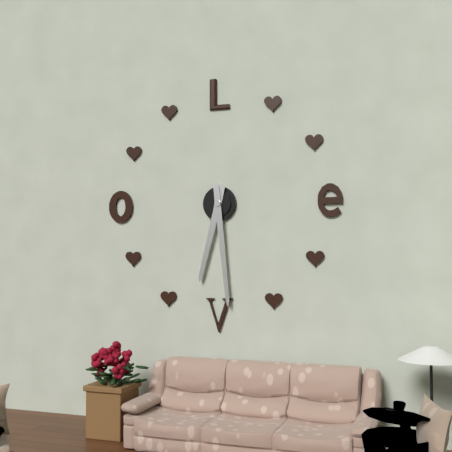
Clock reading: h=6 m=29
